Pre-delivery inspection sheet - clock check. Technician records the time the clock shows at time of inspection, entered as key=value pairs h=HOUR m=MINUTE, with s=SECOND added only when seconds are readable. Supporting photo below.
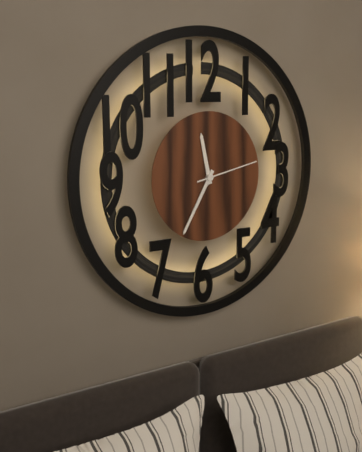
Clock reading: h=11 m=35 s=13
